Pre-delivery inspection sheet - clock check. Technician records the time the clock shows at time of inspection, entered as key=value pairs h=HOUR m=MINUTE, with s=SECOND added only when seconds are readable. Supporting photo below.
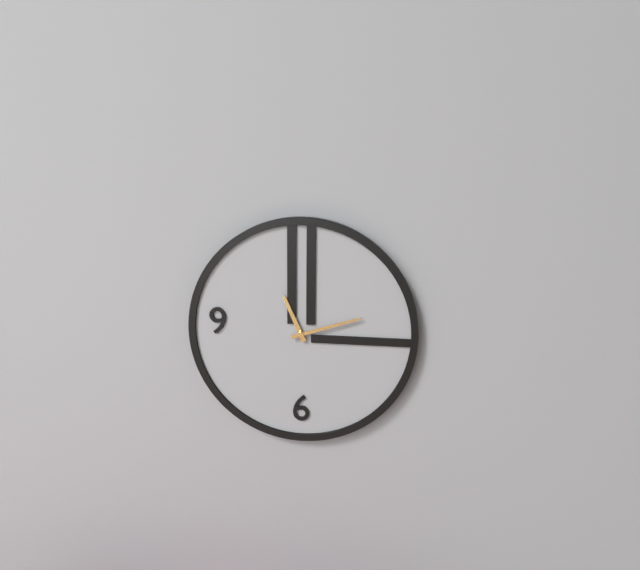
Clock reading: h=11 m=12
